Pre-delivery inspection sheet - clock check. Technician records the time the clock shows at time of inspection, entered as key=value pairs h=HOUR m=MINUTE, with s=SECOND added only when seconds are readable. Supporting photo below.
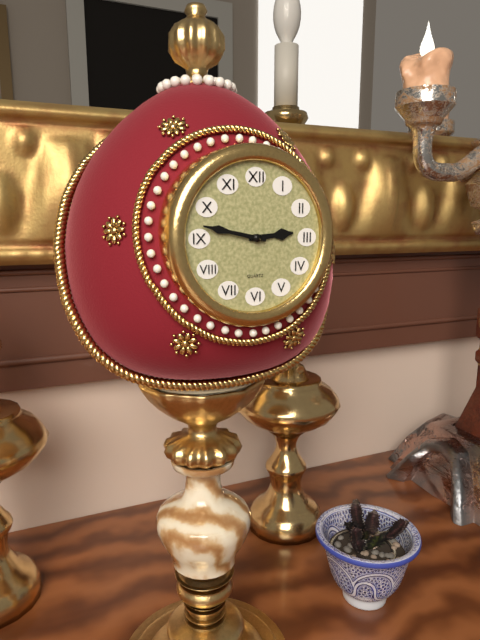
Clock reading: h=2 m=47
